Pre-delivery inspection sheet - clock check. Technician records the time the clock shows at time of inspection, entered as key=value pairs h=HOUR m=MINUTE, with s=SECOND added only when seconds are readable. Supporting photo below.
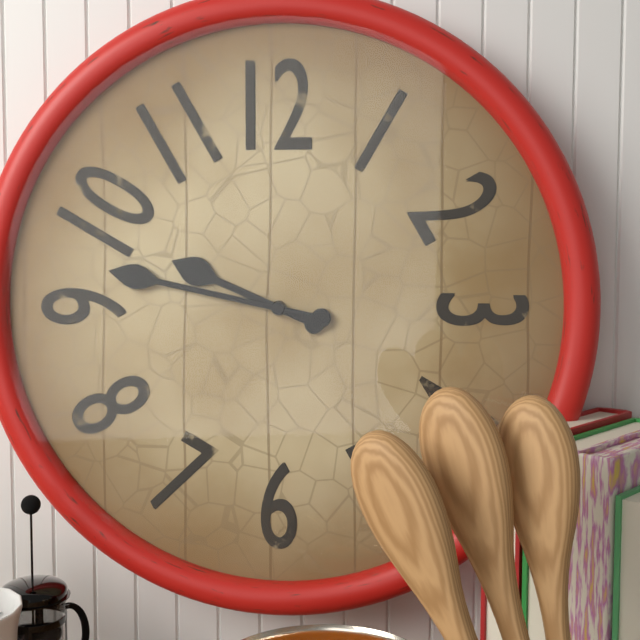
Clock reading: h=9 m=47
